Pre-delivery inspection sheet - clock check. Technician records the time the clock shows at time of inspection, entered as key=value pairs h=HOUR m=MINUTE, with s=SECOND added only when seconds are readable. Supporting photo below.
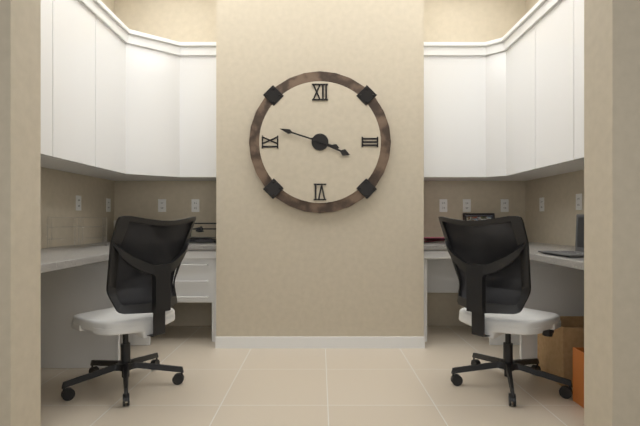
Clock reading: h=3 m=48
